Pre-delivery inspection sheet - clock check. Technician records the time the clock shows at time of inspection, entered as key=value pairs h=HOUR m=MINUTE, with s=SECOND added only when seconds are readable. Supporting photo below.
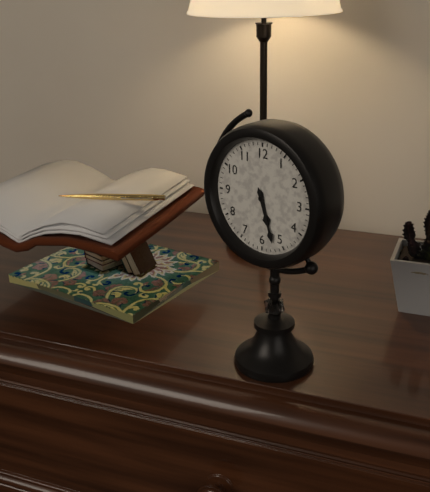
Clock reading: h=5 m=27
